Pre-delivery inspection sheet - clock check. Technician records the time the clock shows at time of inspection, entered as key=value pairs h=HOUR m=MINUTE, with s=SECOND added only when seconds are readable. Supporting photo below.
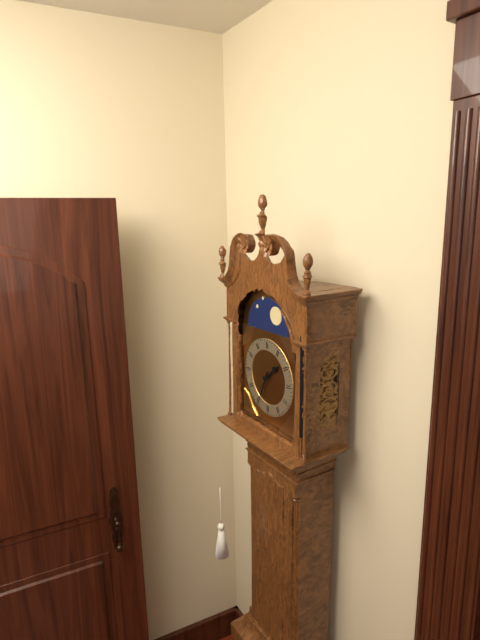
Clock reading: h=1 m=34
